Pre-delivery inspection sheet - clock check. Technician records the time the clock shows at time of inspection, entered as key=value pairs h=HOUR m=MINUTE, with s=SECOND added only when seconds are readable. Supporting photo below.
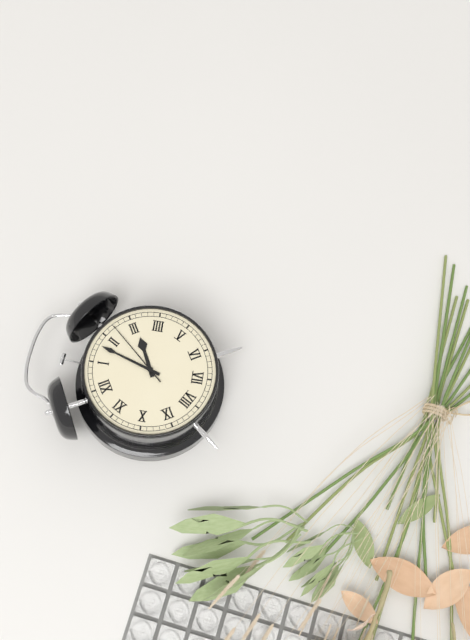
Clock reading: h=3 m=8 s=12
